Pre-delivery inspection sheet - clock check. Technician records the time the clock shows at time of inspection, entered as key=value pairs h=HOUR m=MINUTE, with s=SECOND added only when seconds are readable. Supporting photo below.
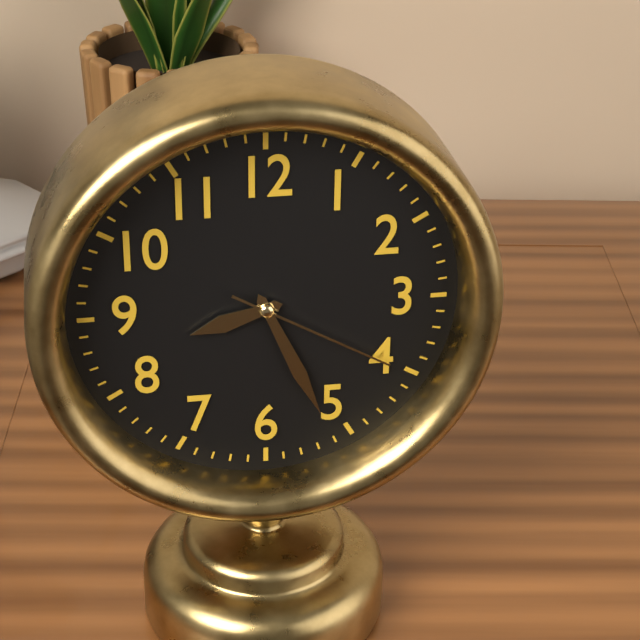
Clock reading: h=8 m=26 s=20
